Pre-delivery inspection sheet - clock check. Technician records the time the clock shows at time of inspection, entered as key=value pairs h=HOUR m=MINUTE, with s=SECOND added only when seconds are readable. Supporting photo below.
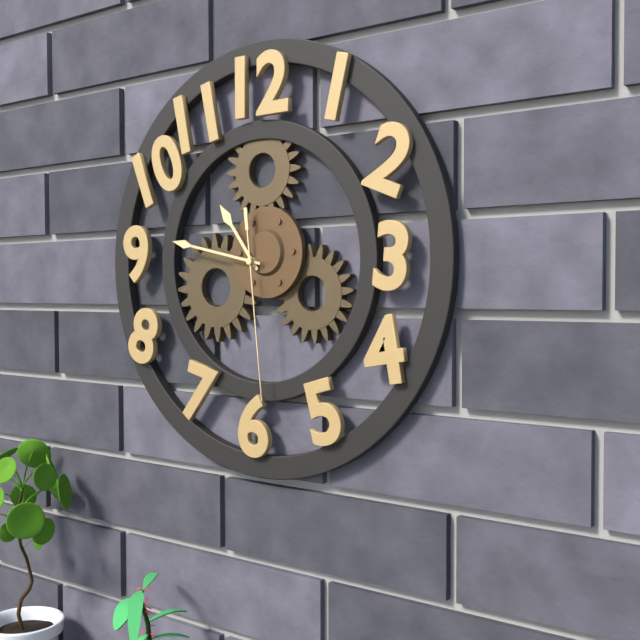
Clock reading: h=10 m=47 s=29
